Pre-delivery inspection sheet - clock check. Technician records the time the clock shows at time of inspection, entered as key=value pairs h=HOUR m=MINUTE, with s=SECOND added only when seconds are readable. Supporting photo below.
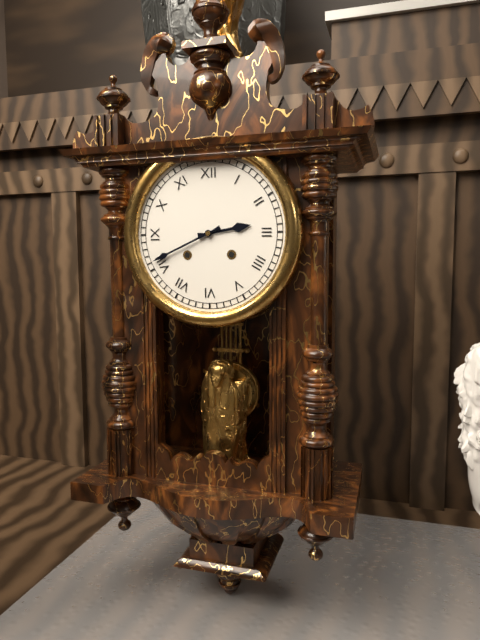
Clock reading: h=2 m=41
